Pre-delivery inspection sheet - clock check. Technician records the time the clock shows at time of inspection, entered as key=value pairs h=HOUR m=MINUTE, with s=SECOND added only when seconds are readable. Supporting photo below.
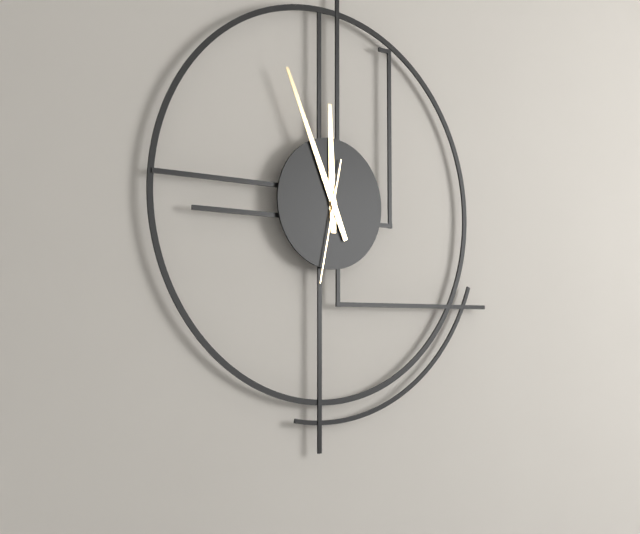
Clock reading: h=11 m=56 s=32
